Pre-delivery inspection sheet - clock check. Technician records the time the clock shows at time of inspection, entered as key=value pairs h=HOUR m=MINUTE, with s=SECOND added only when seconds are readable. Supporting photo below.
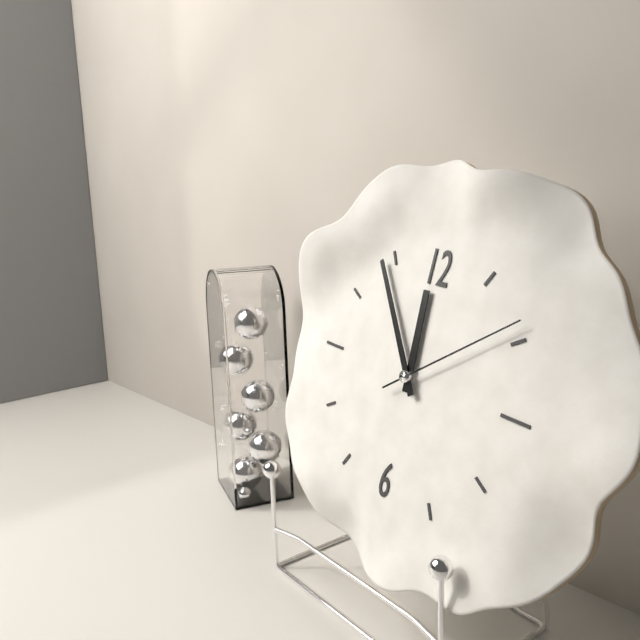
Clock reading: h=11 m=54 s=9
